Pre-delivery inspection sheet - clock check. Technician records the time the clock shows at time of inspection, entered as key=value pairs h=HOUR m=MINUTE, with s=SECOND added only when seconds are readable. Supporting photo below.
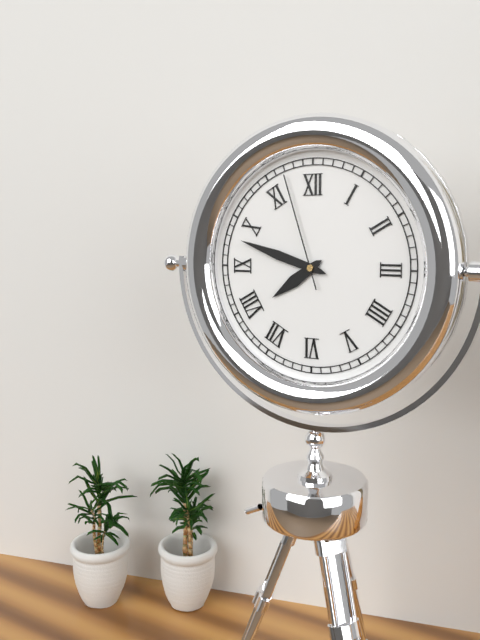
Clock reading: h=7 m=48 s=57
